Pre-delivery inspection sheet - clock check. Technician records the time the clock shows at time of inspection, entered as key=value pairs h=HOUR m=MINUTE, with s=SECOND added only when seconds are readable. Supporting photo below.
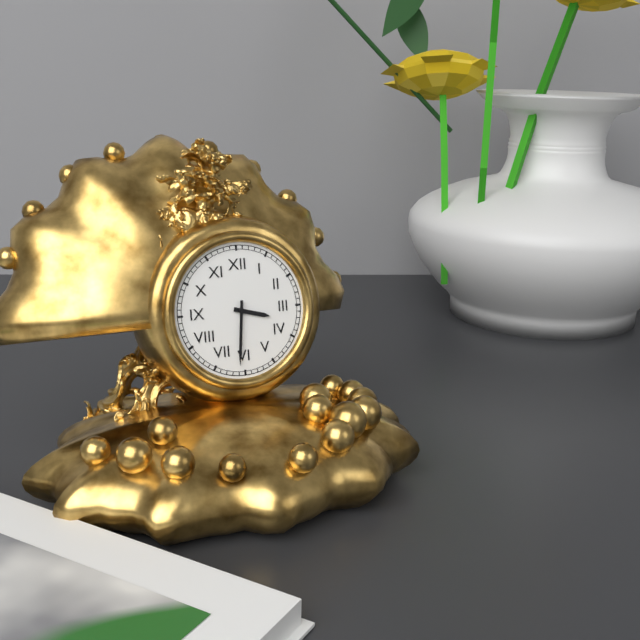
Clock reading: h=3 m=31
